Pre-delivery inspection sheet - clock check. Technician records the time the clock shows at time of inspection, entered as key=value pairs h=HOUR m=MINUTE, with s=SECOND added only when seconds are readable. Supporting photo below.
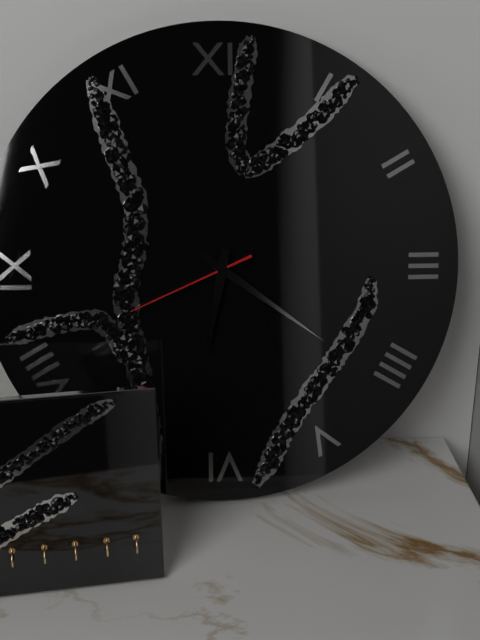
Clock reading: h=6 m=21 s=41
